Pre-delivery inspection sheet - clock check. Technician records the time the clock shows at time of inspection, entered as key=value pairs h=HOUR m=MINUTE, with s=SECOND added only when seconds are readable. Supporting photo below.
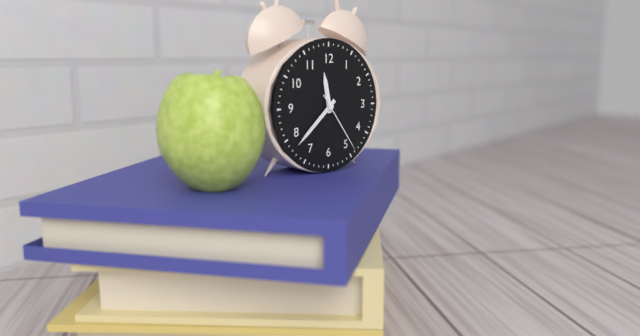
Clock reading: h=11 m=38 s=24
